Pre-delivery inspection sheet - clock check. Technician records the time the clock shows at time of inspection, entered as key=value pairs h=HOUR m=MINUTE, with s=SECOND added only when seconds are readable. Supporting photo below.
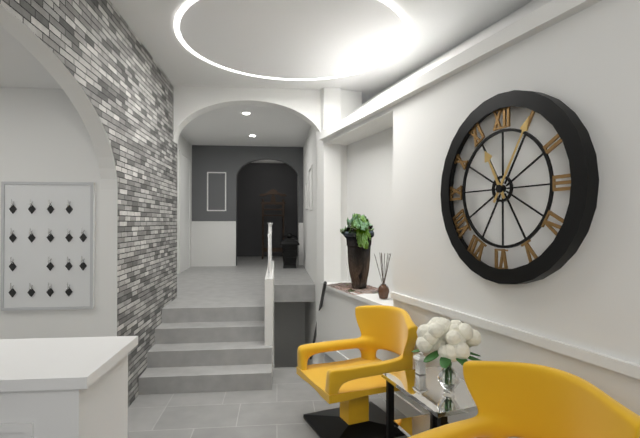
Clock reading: h=11 m=5
